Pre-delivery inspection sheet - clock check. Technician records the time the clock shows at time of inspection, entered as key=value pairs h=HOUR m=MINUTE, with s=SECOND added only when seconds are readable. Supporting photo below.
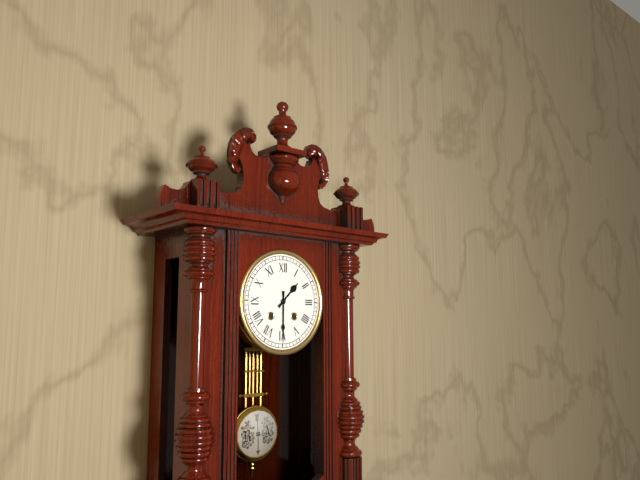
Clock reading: h=1 m=30
